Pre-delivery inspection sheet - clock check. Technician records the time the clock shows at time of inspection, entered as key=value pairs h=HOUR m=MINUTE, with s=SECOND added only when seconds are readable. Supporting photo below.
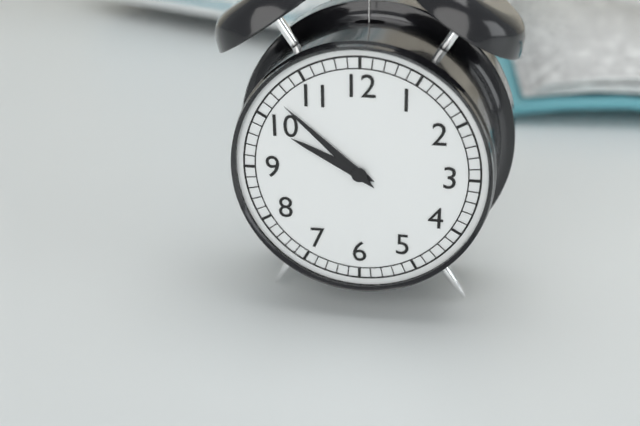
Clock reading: h=9 m=52
